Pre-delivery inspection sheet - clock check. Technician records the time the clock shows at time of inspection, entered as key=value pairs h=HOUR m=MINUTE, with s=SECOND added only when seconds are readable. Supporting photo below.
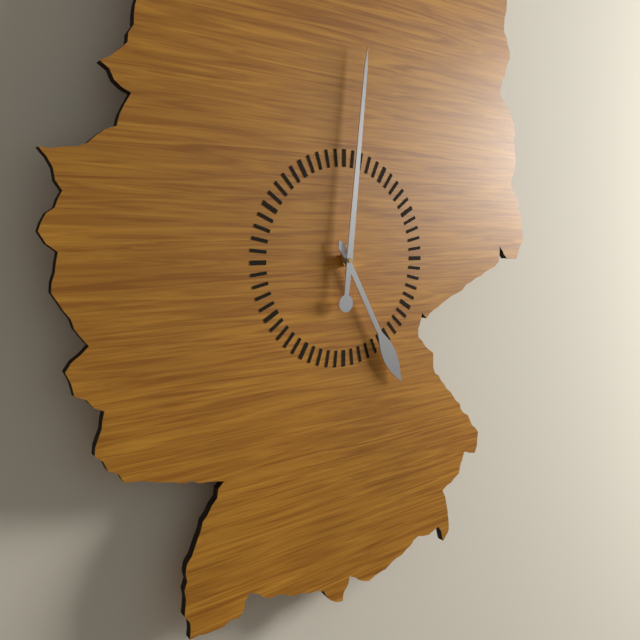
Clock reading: h=5 m=1
